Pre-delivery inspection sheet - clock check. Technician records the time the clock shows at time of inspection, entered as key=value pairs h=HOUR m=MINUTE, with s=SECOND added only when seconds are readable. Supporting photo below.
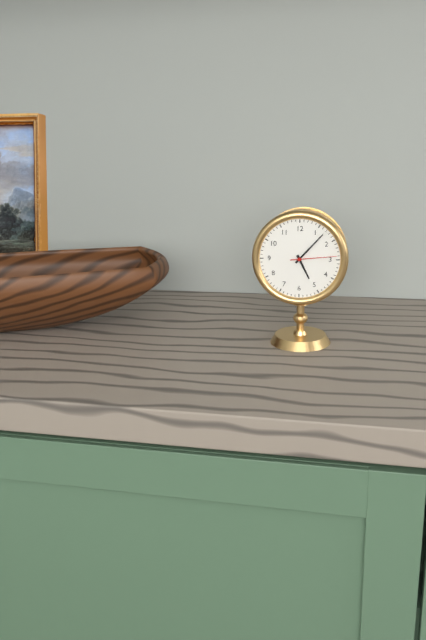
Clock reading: h=5 m=7
